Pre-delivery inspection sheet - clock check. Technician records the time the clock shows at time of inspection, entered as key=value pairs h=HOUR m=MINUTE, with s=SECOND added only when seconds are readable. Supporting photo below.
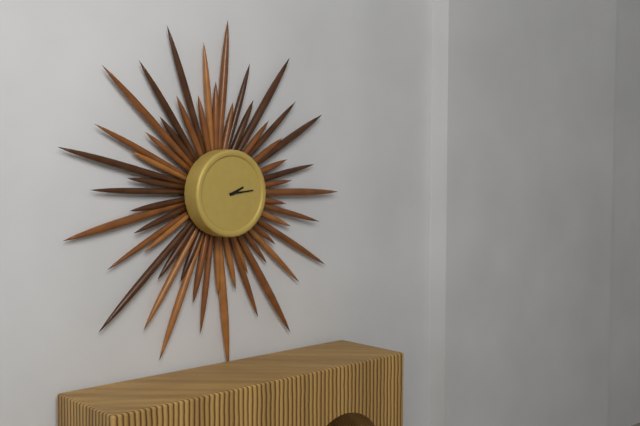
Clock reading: h=2 m=14
